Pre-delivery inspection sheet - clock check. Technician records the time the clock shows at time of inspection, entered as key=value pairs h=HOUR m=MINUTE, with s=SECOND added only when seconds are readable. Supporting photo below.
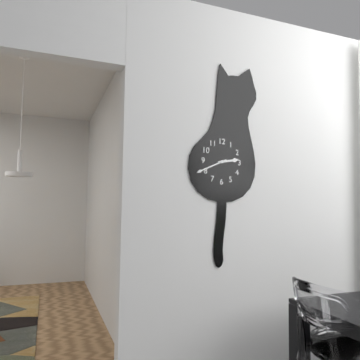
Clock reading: h=2 m=41
